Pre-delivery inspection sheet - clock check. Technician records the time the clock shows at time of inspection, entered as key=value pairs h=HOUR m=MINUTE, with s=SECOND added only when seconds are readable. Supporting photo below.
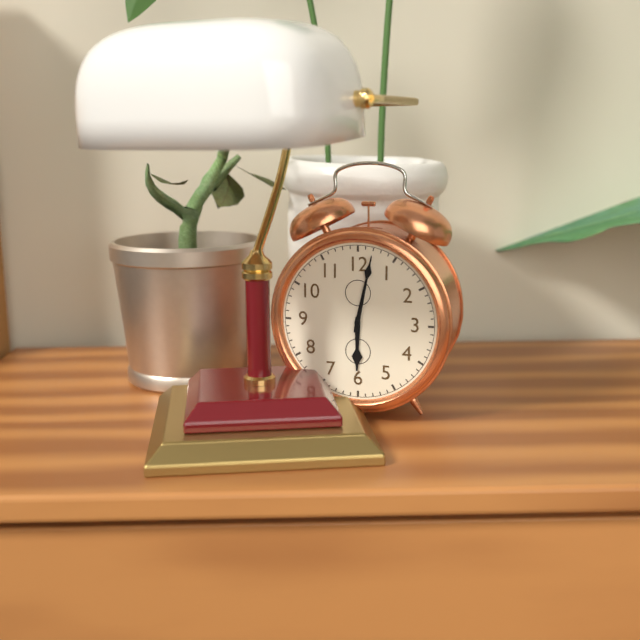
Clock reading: h=6 m=2
